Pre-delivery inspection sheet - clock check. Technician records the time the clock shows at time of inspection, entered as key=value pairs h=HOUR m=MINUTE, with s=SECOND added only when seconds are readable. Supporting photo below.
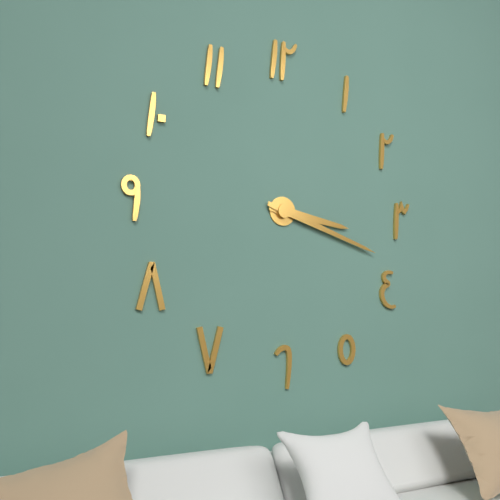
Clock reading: h=3 m=18
